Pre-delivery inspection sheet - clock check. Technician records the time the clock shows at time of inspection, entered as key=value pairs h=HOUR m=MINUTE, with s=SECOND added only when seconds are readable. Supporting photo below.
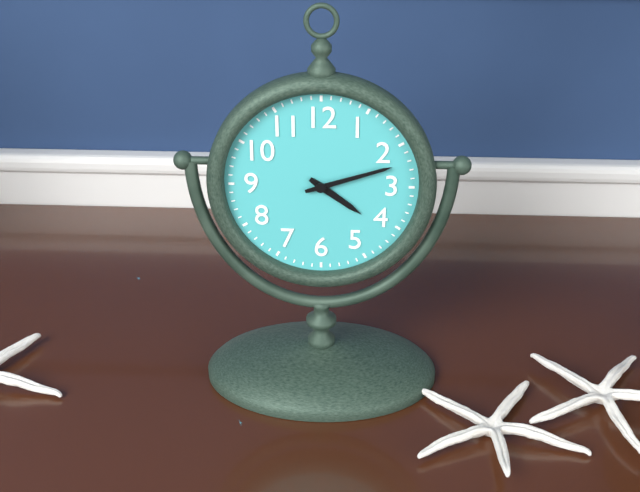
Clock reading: h=4 m=12
